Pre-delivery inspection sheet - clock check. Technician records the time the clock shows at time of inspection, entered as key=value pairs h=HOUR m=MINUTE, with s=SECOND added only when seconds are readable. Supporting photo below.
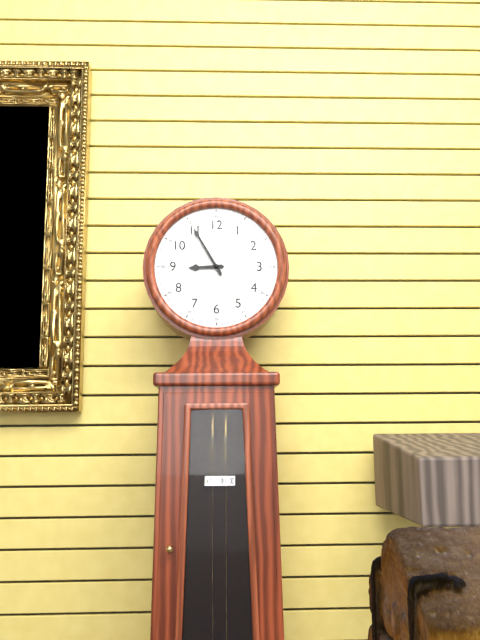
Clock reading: h=8 m=55
